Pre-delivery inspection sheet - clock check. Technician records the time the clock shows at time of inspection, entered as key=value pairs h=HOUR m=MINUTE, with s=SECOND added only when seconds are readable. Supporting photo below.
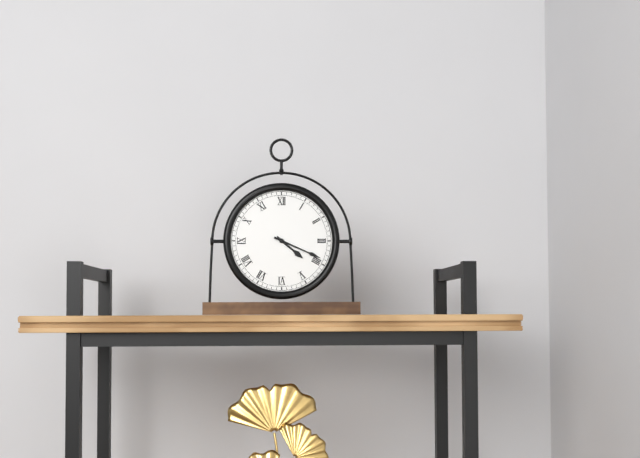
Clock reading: h=4 m=19
